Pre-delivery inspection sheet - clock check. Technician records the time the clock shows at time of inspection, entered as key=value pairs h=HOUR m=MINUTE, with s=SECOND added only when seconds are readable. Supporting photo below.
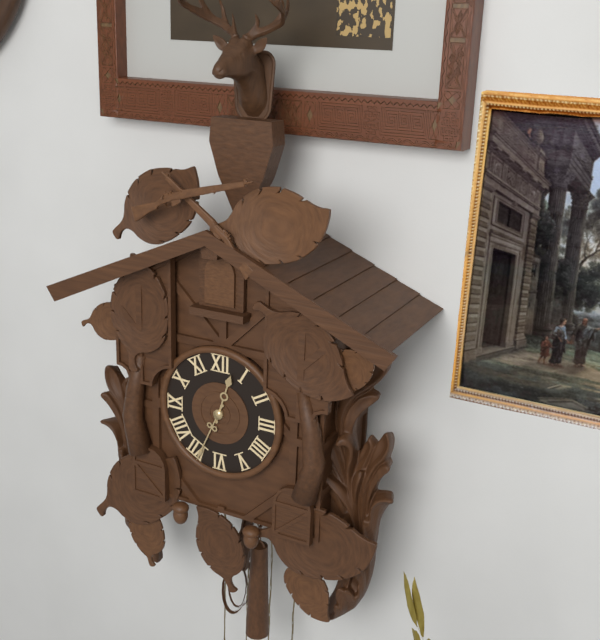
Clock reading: h=12 m=34
